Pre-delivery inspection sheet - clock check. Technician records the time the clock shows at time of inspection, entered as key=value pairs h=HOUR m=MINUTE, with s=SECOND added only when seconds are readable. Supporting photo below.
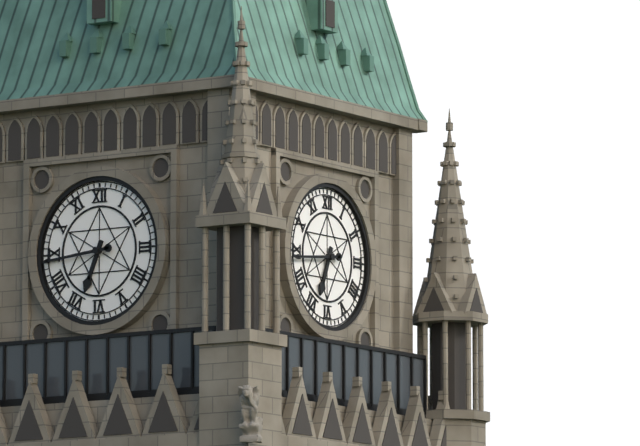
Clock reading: h=6 m=44
